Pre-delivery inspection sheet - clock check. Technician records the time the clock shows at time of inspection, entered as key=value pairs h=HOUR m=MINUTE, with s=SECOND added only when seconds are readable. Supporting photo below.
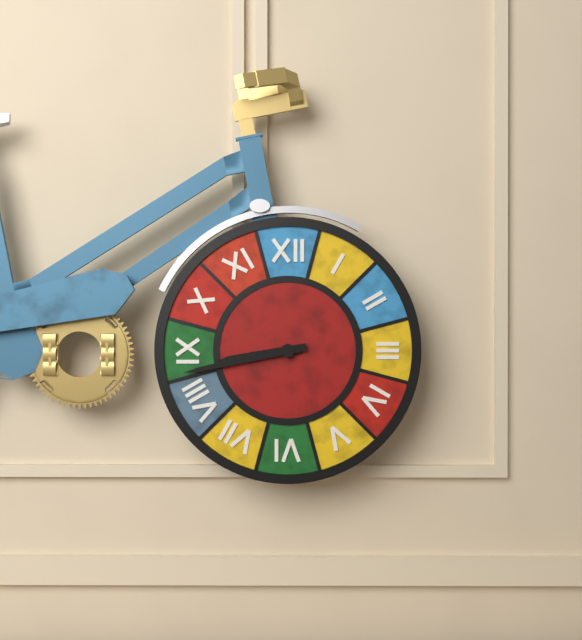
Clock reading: h=8 m=43
